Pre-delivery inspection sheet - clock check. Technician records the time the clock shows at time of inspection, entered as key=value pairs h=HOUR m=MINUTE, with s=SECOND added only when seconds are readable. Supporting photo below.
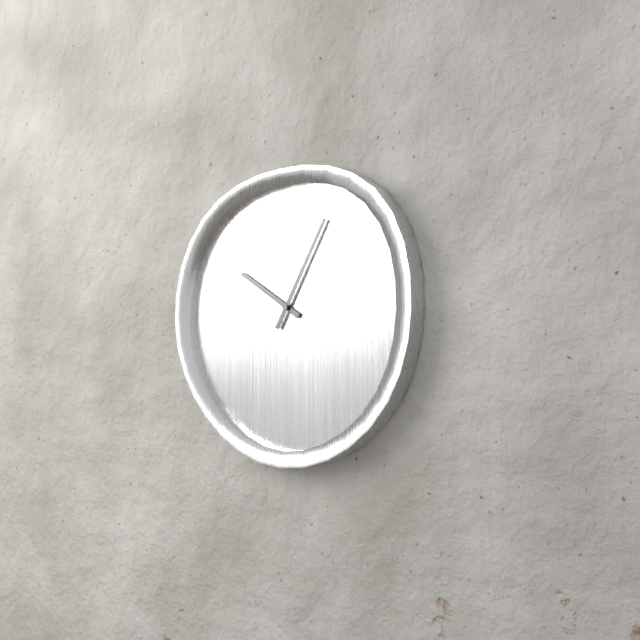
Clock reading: h=10 m=5
